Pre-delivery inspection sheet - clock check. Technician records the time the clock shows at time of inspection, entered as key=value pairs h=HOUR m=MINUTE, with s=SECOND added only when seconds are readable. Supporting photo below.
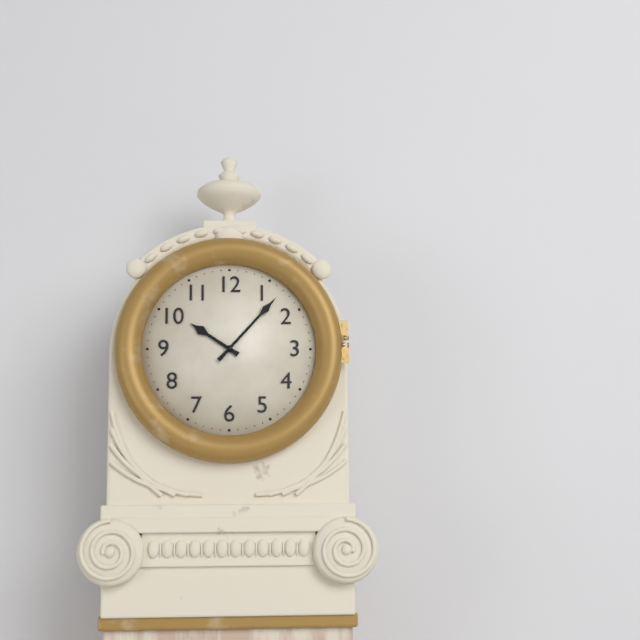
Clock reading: h=10 m=7
